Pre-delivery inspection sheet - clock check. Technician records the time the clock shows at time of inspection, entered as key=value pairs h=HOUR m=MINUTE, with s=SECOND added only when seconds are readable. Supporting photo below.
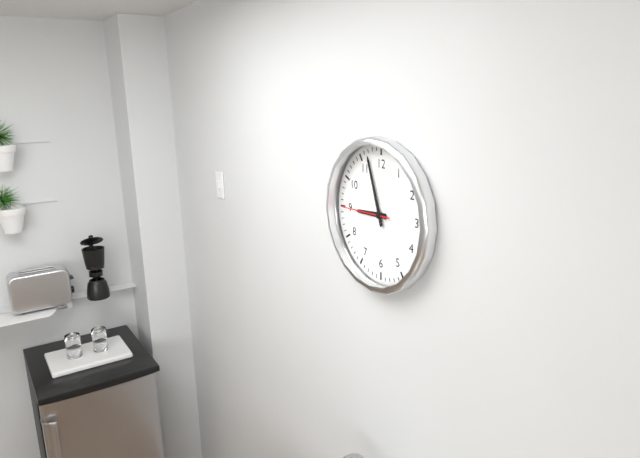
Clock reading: h=8 m=57 s=45
